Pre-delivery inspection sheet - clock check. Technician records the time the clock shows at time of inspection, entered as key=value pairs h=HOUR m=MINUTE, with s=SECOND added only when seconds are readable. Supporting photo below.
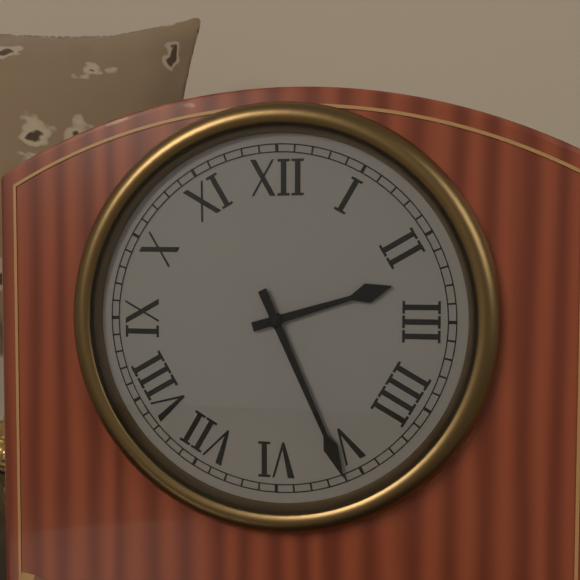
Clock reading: h=2 m=26
